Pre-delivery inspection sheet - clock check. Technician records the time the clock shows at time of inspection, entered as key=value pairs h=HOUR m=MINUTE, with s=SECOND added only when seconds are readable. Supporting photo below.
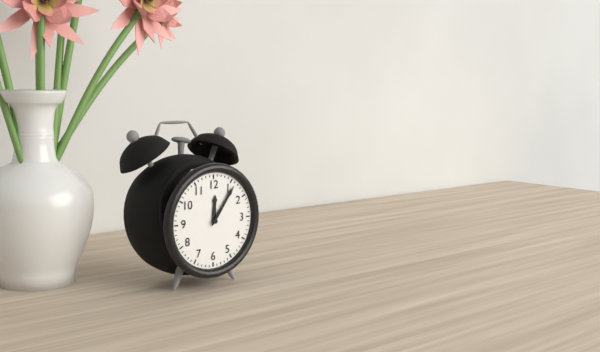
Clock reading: h=12 m=6
